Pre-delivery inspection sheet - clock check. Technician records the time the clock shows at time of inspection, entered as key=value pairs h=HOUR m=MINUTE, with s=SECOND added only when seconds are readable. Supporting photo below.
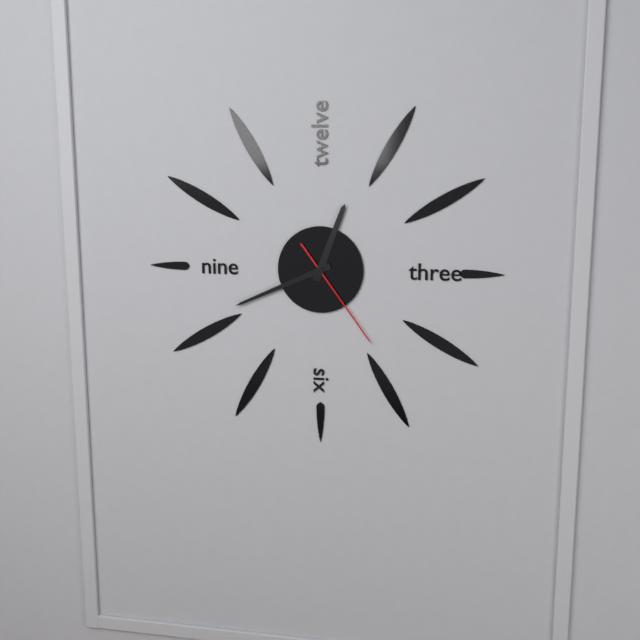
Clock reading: h=12 m=41 s=24
